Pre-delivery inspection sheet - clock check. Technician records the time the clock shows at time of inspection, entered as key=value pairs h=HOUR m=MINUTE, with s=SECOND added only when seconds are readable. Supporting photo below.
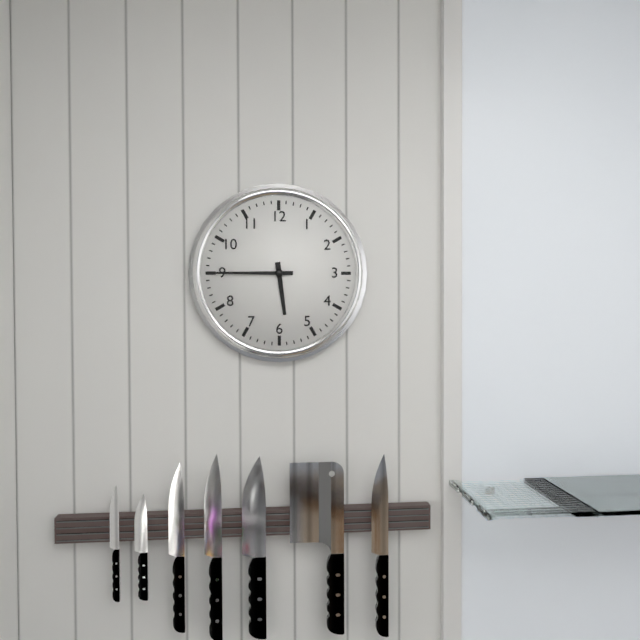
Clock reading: h=5 m=45
